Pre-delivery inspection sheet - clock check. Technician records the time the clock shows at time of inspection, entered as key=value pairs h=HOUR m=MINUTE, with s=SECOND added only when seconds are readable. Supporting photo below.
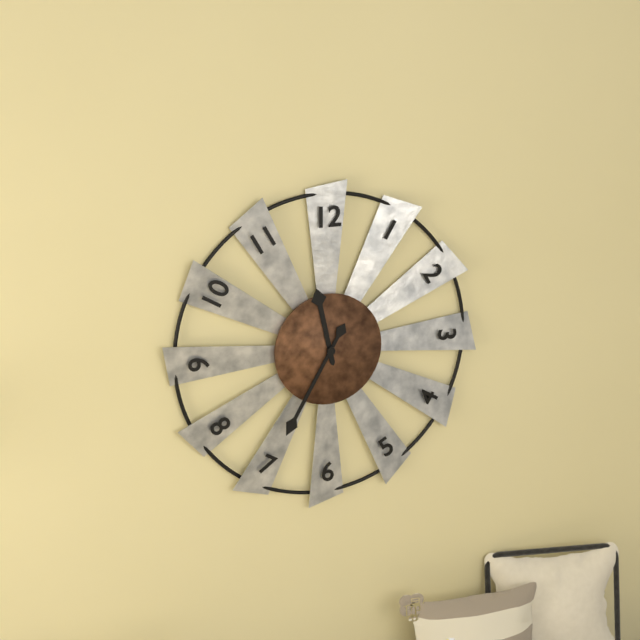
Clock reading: h=11 m=35
